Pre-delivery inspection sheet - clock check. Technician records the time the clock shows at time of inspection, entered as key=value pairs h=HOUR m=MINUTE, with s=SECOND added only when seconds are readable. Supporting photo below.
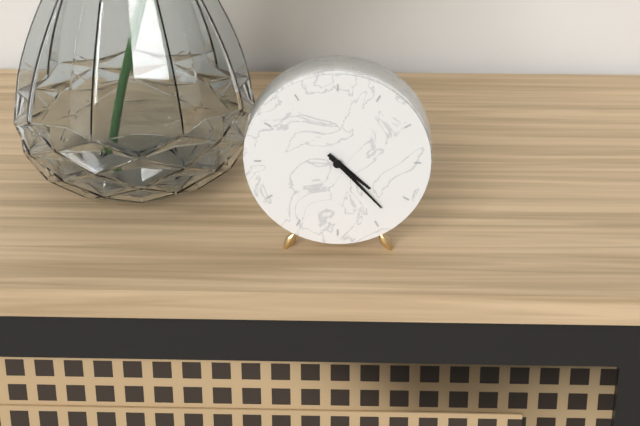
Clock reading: h=4 m=23
